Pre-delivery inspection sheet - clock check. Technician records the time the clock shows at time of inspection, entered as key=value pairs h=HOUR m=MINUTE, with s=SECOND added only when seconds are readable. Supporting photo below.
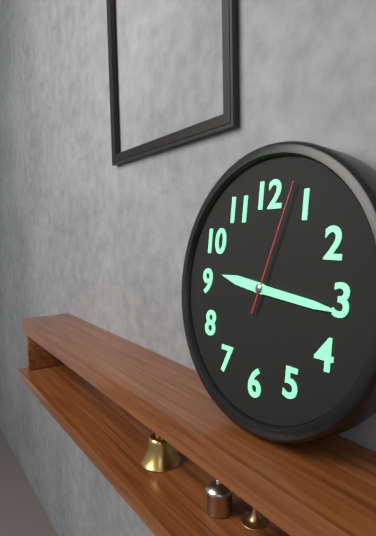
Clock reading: h=9 m=16 s=3
